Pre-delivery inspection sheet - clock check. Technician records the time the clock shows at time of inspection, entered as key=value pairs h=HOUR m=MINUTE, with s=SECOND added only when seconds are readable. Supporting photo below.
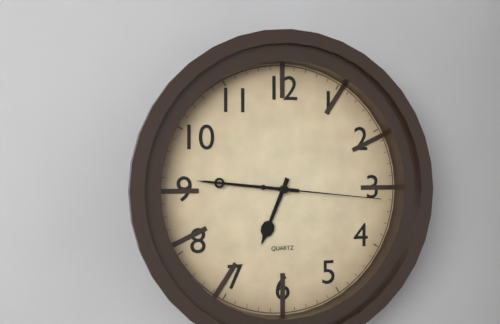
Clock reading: h=6 m=46 s=16
